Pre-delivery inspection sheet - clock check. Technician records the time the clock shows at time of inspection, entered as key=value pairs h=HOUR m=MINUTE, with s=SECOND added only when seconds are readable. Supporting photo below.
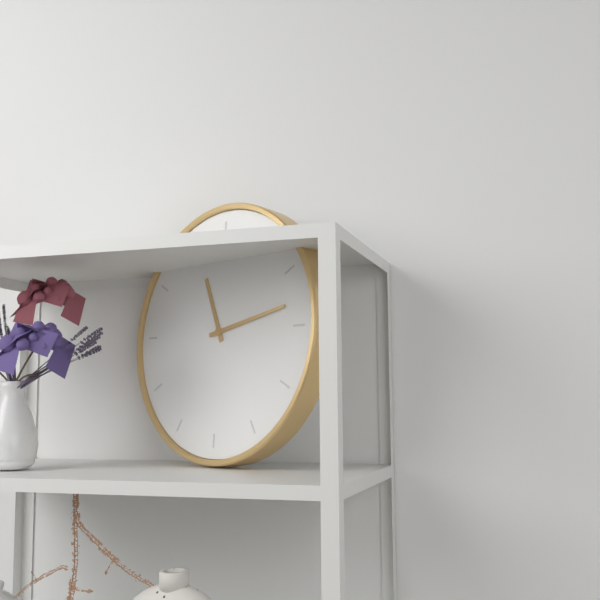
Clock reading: h=11 m=13
